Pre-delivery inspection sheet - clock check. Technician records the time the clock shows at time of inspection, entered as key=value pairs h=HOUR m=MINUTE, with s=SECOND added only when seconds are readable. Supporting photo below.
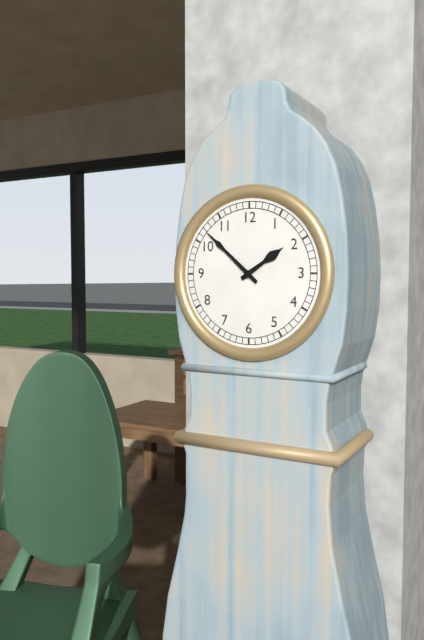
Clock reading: h=1 m=52
